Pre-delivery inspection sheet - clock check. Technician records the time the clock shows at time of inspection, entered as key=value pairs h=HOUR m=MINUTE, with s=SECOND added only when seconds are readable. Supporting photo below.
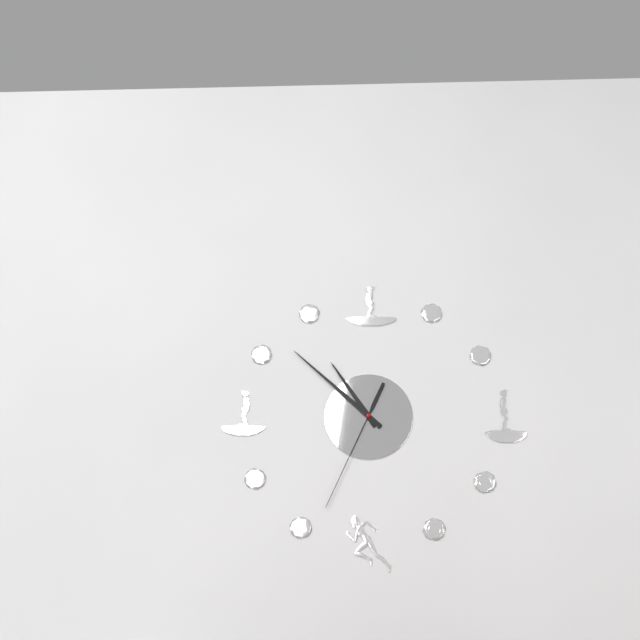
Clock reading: h=10 m=52 s=34
